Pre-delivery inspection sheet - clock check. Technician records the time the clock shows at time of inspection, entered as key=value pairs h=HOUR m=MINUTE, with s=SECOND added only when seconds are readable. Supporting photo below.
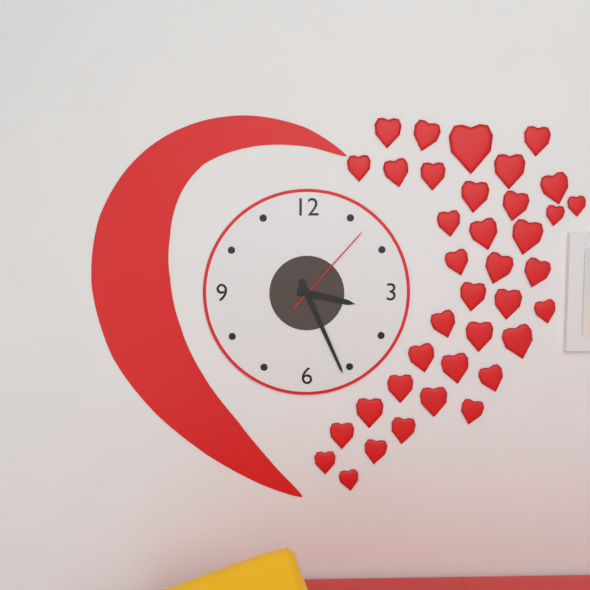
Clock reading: h=3 m=26 s=7
